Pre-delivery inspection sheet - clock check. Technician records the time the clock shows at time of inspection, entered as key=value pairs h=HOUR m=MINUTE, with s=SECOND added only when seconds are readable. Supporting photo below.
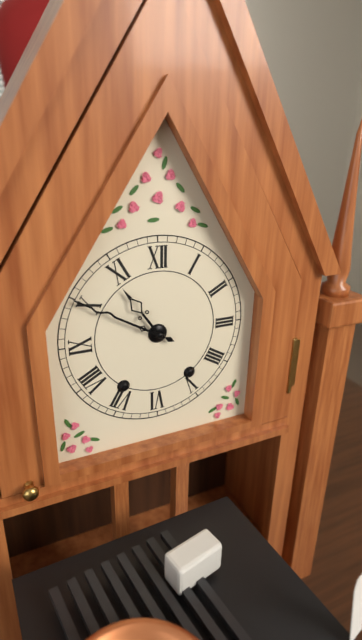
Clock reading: h=10 m=50
